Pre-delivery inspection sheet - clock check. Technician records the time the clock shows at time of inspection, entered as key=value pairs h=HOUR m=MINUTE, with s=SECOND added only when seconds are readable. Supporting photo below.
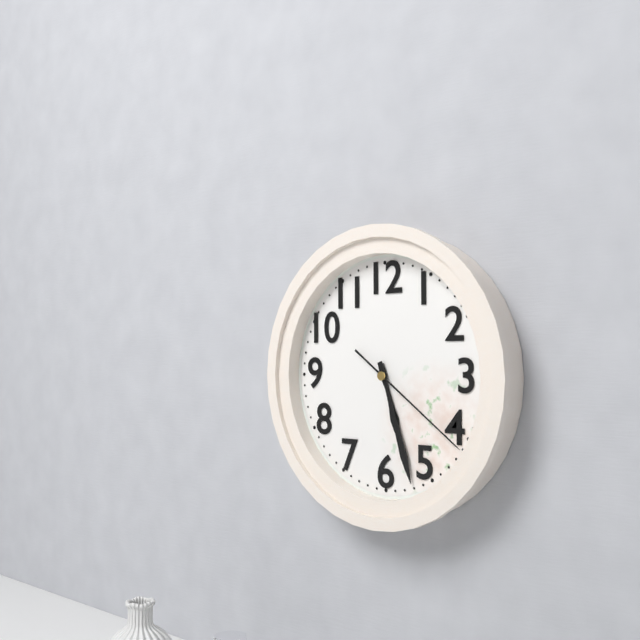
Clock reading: h=5 m=27 s=21
